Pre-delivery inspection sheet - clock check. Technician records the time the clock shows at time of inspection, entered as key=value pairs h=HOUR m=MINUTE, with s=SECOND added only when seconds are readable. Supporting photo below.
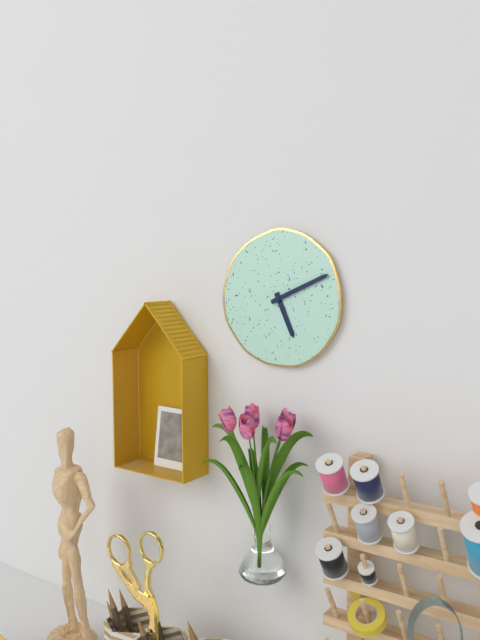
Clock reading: h=5 m=11
